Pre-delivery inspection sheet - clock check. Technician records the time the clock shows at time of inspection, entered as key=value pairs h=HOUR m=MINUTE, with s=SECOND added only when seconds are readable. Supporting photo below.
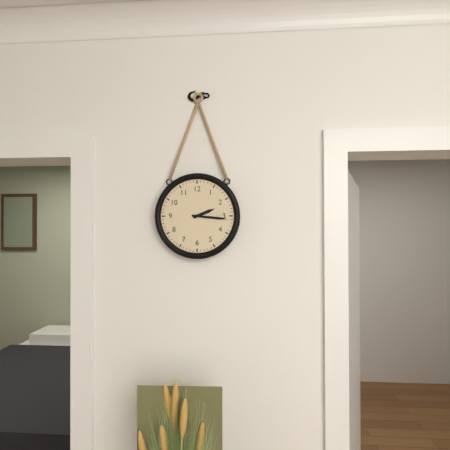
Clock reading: h=2 m=16
